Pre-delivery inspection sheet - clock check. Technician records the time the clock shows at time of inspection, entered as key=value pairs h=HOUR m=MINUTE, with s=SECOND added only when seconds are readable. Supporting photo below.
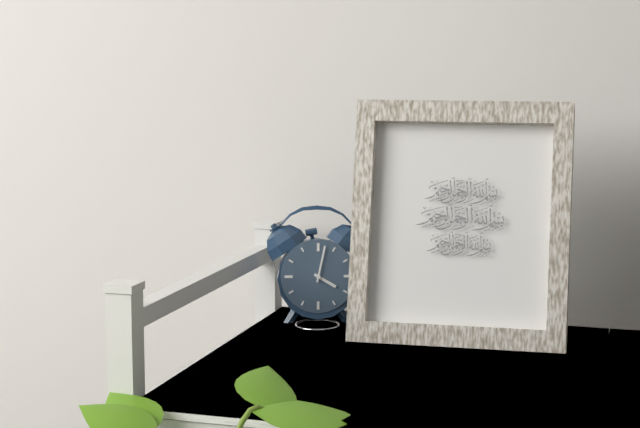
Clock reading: h=4 m=2
